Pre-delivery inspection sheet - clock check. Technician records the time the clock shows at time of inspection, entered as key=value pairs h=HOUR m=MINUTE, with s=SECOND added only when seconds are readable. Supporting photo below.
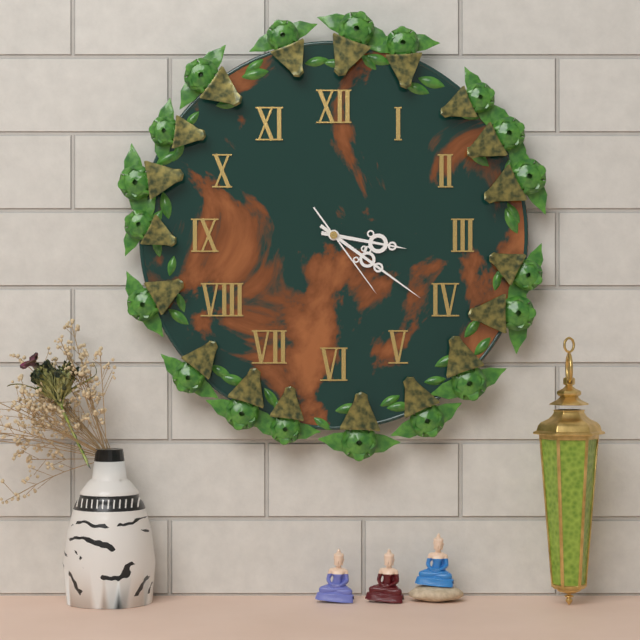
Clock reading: h=3 m=21 s=24
